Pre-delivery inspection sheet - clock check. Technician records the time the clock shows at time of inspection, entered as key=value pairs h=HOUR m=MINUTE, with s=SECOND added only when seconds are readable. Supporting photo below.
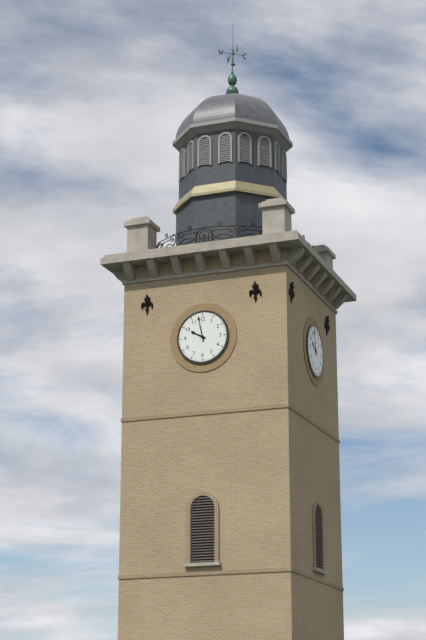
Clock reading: h=9 m=58
